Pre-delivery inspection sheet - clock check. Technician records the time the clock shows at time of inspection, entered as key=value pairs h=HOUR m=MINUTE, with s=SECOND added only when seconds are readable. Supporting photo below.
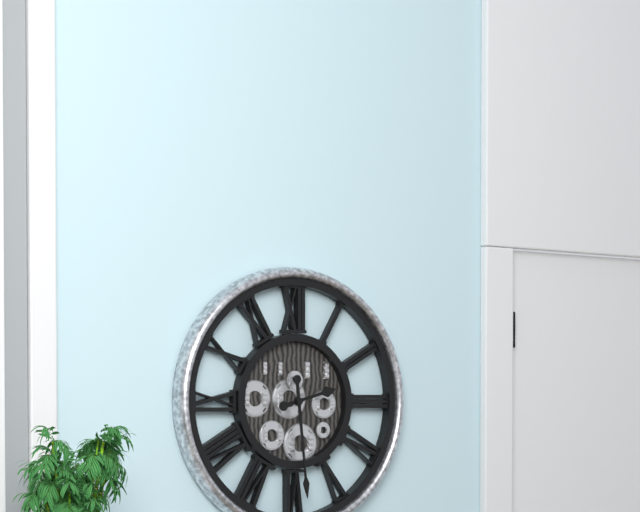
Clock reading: h=2 m=29
